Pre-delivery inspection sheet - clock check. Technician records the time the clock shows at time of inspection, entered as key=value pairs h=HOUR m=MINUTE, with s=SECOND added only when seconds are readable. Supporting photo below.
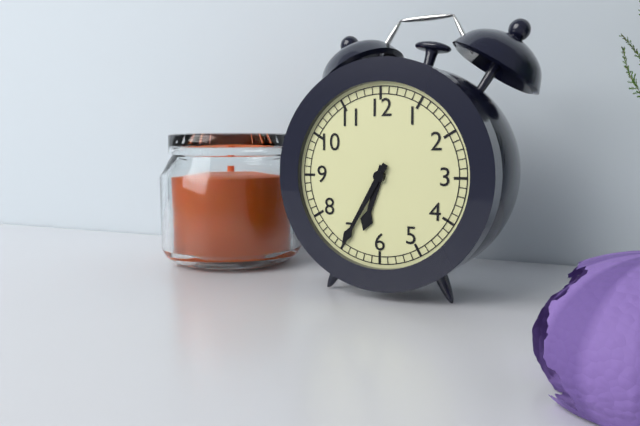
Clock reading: h=6 m=35
